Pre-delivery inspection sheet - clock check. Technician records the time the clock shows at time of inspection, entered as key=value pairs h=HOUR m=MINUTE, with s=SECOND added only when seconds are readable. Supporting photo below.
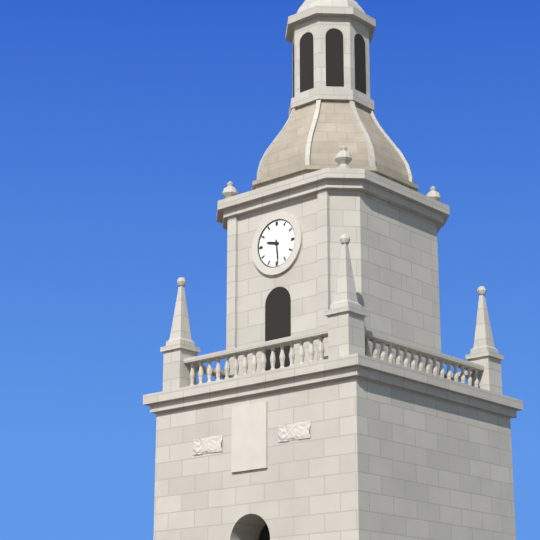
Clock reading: h=9 m=29
